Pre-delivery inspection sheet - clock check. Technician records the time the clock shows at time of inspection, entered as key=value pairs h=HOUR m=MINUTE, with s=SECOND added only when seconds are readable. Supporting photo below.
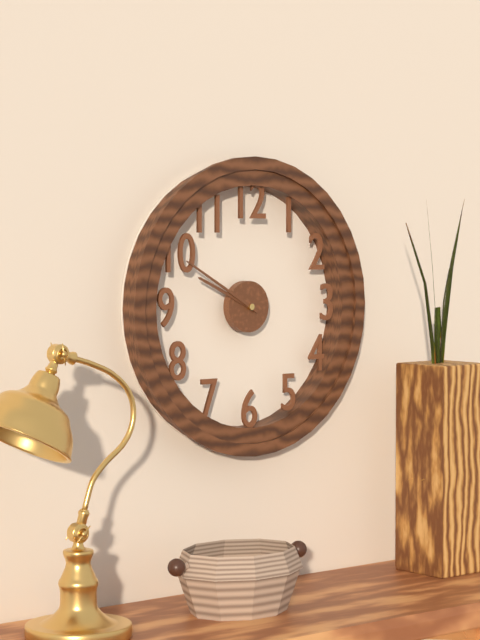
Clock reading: h=9 m=50
